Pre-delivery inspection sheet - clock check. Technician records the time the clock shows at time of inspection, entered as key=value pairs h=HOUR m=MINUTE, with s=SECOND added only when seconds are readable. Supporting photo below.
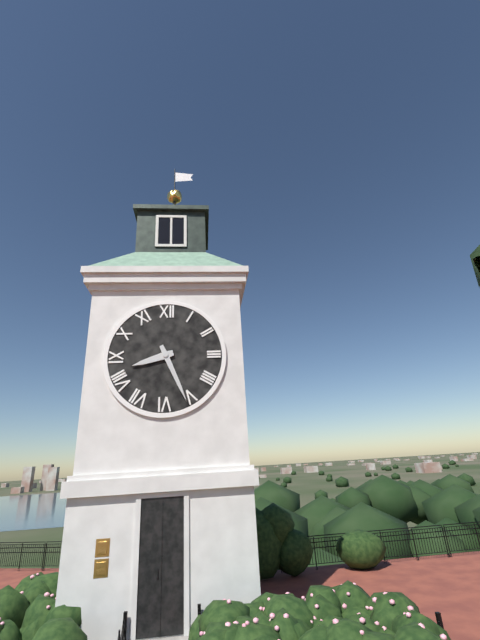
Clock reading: h=8 m=26
